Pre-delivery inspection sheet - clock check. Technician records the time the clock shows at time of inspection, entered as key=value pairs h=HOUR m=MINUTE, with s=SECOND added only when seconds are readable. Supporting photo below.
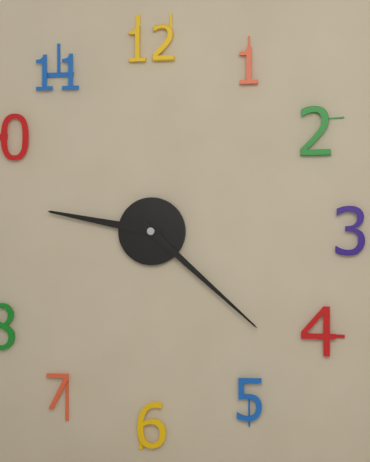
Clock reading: h=9 m=22
